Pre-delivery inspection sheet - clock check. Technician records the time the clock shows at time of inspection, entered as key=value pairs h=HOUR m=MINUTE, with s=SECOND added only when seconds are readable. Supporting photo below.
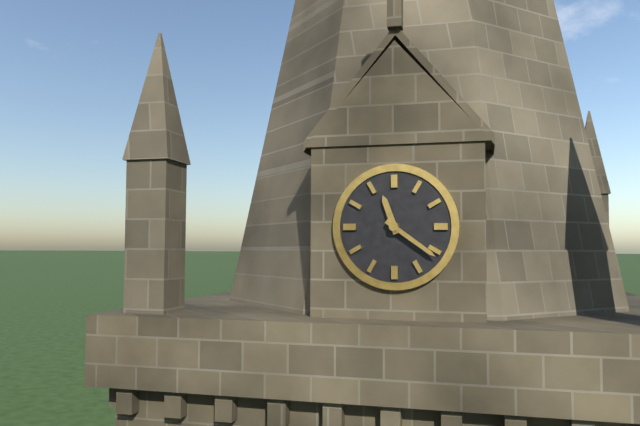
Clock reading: h=11 m=21
